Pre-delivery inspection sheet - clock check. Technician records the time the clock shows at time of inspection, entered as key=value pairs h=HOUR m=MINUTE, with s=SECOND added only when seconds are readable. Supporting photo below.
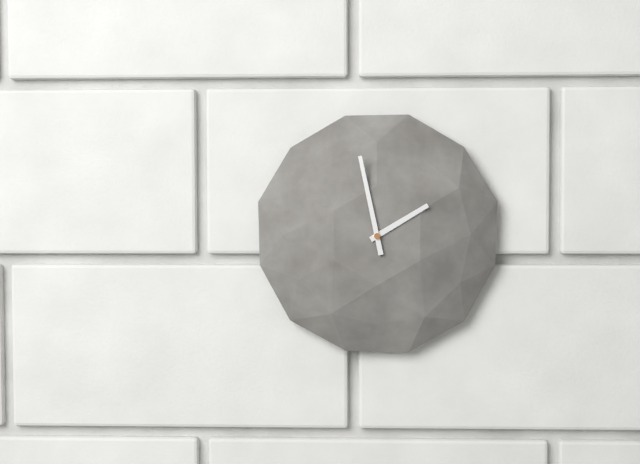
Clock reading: h=1 m=58
